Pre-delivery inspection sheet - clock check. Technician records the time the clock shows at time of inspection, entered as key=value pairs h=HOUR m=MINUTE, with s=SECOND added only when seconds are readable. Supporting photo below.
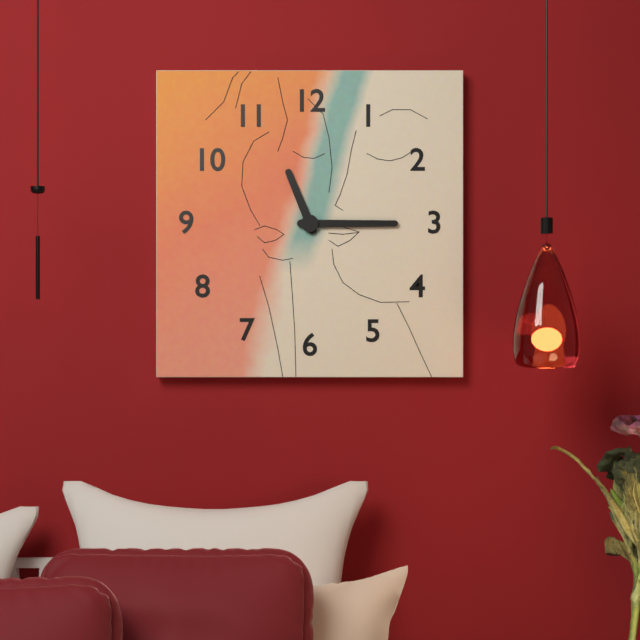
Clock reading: h=11 m=15
